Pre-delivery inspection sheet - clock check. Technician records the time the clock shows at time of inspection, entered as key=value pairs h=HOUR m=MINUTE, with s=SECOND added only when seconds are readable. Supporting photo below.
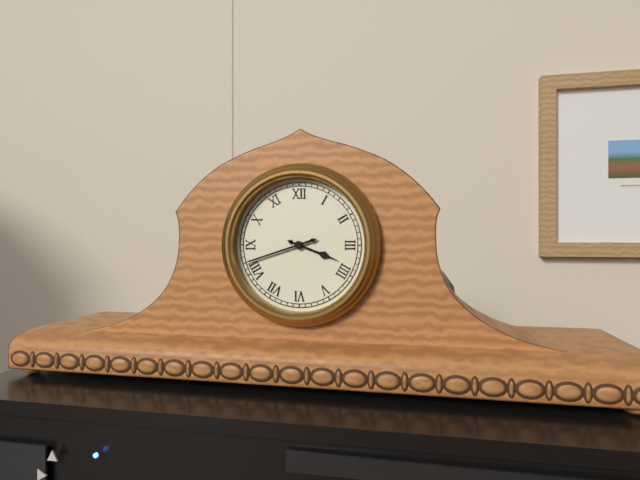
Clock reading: h=3 m=42
